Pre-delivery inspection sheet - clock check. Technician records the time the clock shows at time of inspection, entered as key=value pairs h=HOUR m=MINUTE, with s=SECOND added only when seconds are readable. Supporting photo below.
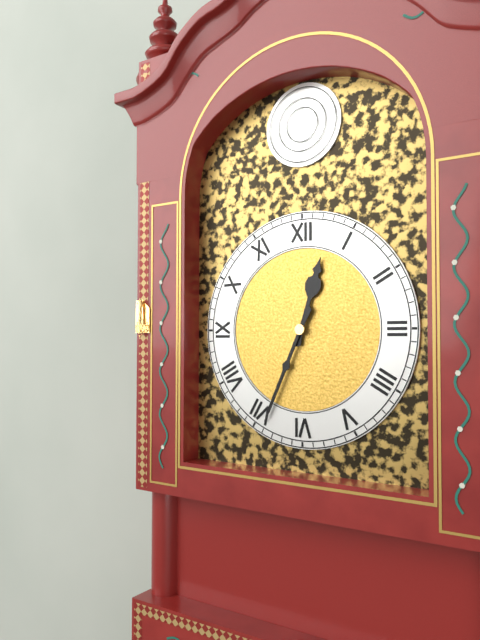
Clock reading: h=12 m=34
